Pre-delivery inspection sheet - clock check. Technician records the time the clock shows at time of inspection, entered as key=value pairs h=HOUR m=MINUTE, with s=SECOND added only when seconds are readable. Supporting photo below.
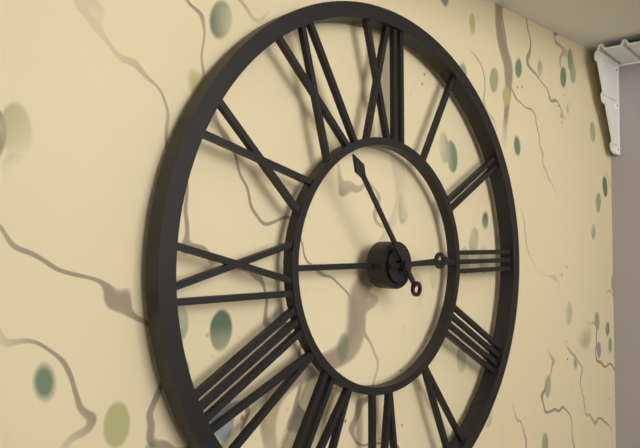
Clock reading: h=2 m=54
